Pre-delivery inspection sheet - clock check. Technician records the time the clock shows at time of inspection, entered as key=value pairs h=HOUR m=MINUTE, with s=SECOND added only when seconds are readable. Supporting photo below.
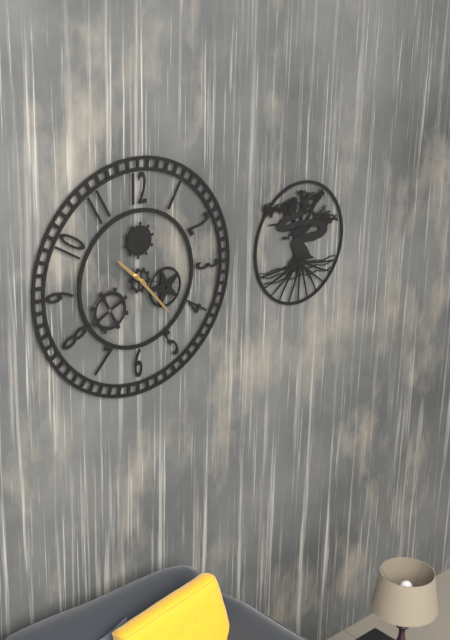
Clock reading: h=10 m=23 s=17
